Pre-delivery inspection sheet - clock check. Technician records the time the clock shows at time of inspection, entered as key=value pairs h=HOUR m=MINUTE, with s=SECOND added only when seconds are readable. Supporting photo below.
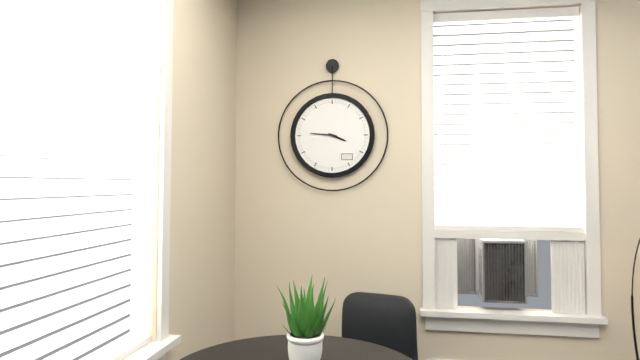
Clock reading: h=3 m=46
